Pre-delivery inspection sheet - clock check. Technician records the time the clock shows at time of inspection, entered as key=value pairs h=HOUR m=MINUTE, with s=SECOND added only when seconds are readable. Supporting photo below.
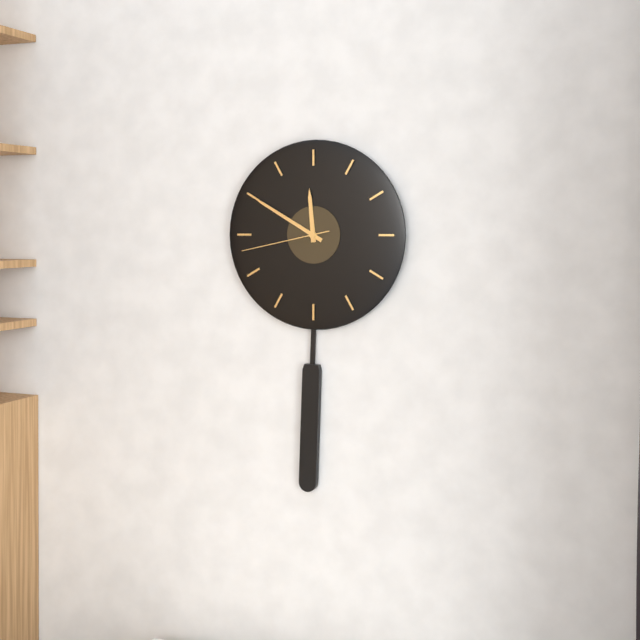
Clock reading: h=11 m=50 s=43
